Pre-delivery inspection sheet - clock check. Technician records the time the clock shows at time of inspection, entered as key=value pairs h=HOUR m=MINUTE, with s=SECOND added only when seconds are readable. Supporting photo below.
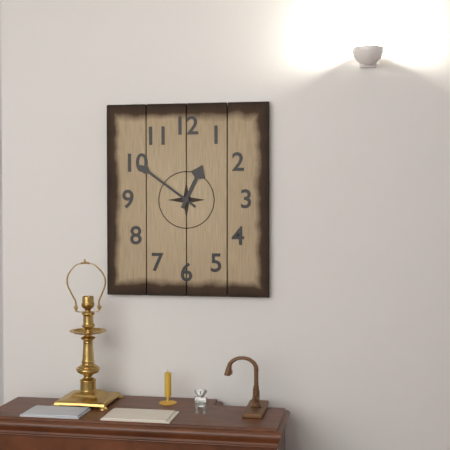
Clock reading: h=12 m=51
